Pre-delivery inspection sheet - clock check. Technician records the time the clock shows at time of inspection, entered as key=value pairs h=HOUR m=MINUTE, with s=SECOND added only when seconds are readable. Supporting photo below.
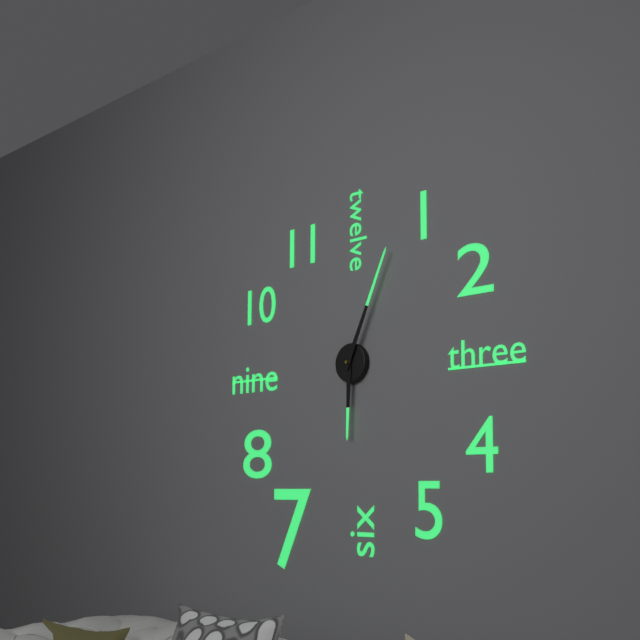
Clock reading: h=6 m=4
